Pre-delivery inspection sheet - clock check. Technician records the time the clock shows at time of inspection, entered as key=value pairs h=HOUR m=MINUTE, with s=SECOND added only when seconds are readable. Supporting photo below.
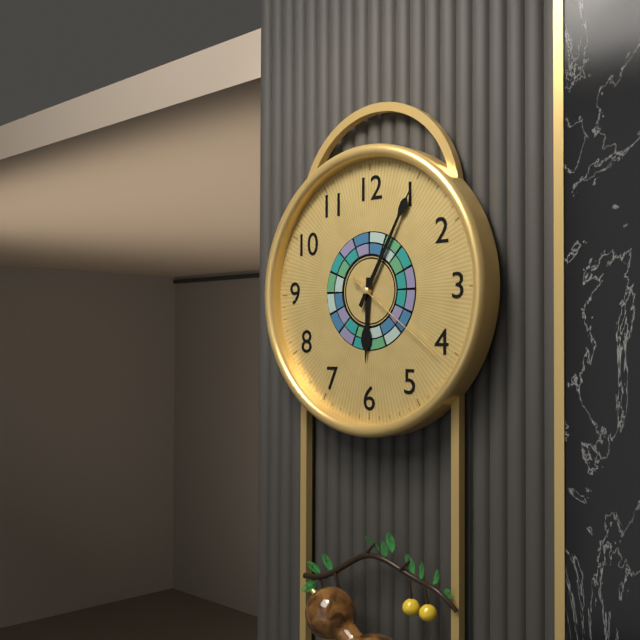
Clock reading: h=6 m=5 s=21
